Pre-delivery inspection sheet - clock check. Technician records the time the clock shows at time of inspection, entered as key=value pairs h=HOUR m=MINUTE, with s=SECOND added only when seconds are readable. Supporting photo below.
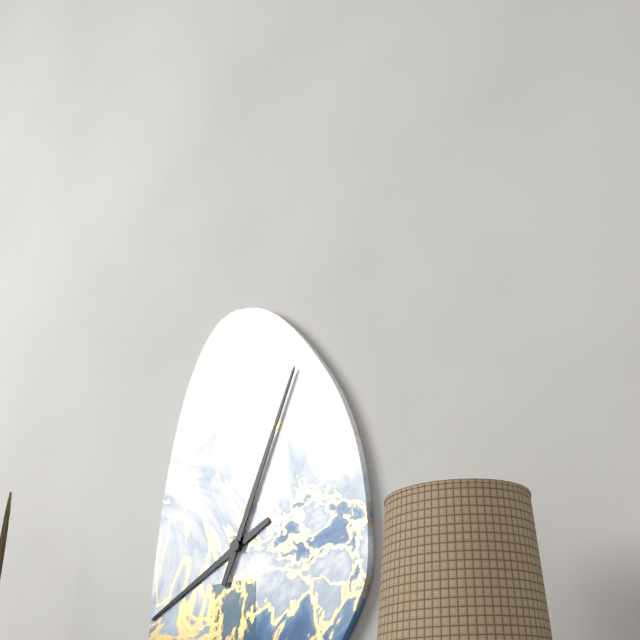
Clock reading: h=8 m=4
